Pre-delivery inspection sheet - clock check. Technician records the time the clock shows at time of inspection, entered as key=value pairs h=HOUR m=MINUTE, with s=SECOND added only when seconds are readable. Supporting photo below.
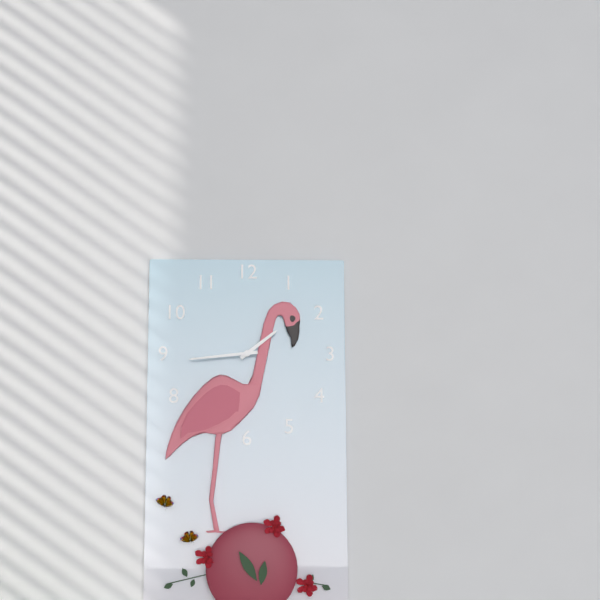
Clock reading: h=1 m=44
